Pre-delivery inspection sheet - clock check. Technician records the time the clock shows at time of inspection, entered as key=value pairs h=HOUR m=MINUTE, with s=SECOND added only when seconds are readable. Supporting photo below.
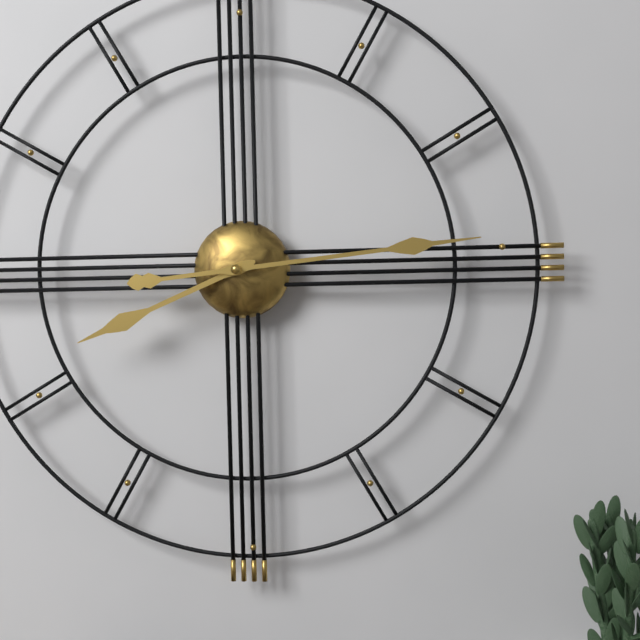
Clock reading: h=8 m=14
